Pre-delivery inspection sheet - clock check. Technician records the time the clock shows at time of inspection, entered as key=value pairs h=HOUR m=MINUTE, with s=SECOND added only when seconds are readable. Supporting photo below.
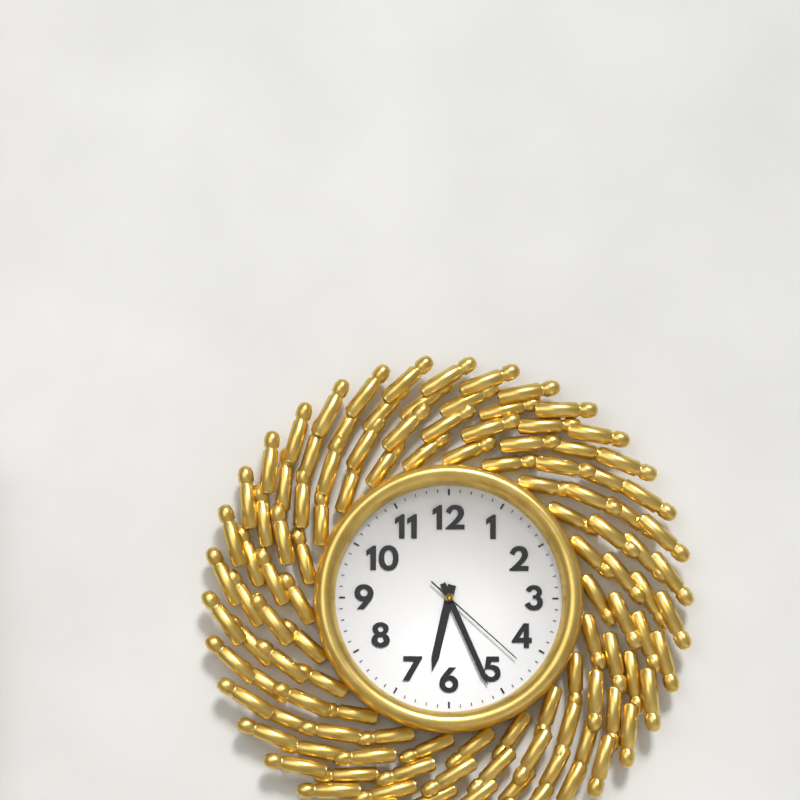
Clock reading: h=6 m=26 s=22
